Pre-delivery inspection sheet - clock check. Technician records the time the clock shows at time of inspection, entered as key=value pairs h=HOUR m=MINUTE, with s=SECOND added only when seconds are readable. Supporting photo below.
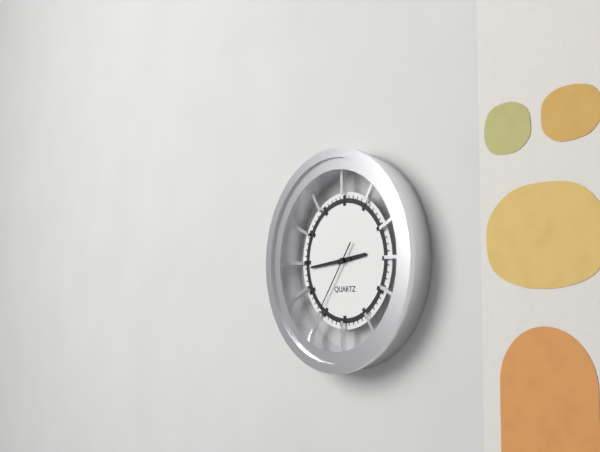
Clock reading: h=2 m=44 s=36
